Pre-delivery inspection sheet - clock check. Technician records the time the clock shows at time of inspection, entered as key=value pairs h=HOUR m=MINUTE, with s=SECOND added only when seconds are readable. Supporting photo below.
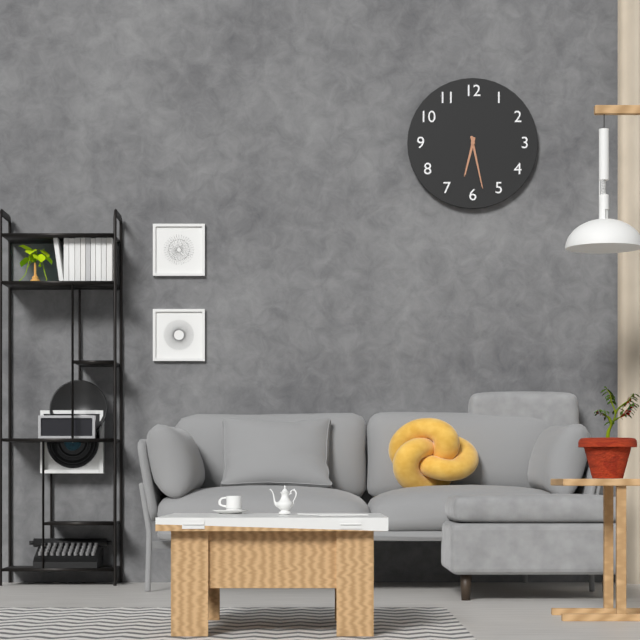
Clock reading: h=6 m=28
